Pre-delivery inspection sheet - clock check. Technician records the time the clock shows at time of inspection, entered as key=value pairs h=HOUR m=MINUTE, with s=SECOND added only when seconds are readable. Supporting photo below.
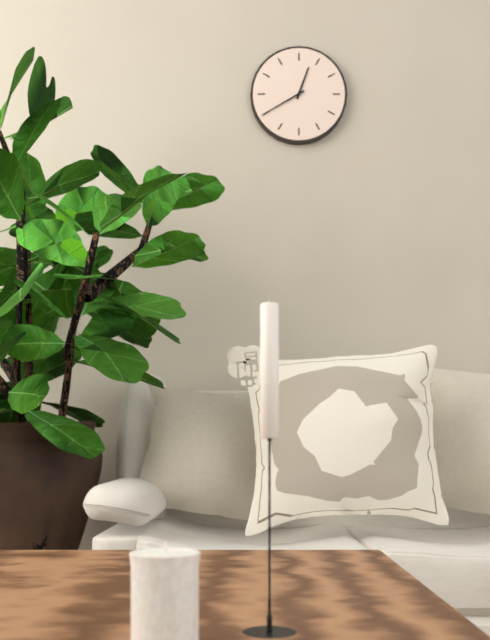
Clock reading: h=12 m=40
